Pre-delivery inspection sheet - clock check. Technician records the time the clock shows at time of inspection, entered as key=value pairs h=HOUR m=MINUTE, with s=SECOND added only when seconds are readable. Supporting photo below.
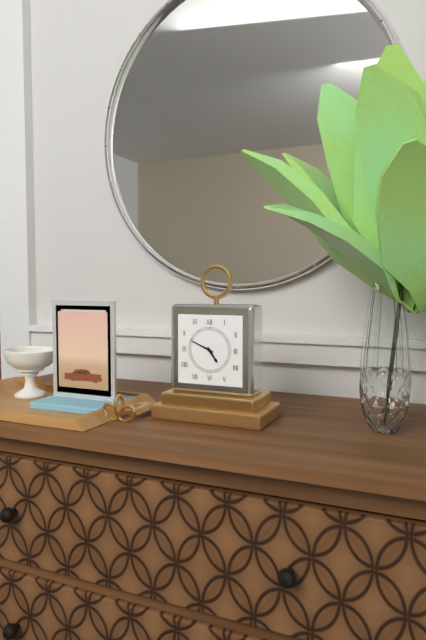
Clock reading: h=4 m=49
